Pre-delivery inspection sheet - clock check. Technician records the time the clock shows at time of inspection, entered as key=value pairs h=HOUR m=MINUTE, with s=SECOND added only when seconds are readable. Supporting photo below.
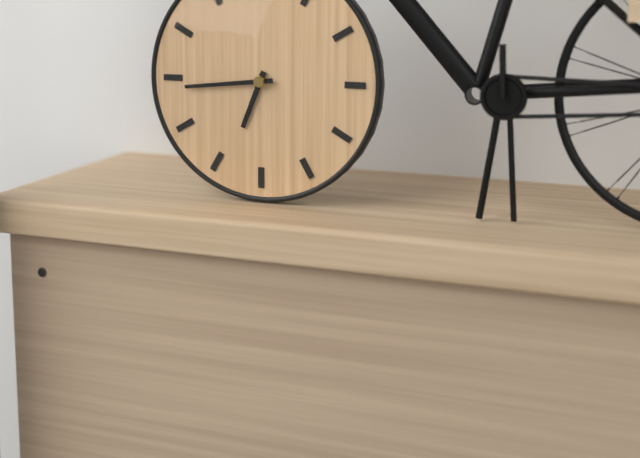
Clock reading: h=6 m=44
